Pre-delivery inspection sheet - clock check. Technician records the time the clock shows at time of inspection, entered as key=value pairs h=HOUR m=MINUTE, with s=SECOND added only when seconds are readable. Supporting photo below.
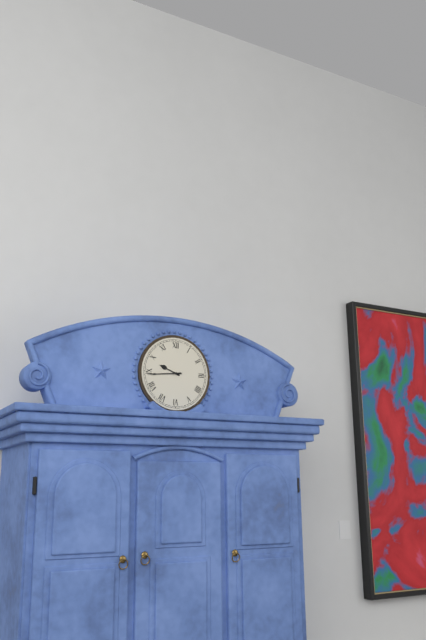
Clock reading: h=9 m=44
